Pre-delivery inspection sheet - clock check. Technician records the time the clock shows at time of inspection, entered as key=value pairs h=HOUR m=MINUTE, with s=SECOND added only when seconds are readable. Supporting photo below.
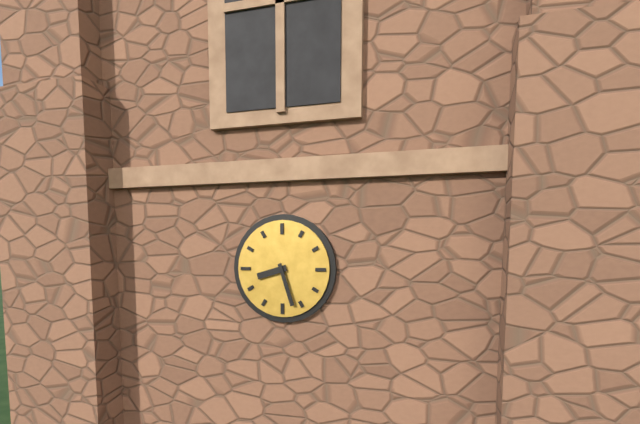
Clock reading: h=8 m=27
